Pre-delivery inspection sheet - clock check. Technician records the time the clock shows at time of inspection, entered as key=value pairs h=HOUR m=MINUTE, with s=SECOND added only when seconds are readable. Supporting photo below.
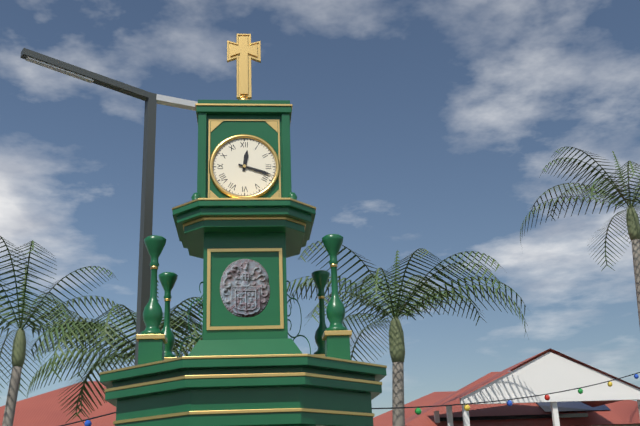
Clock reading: h=12 m=18
